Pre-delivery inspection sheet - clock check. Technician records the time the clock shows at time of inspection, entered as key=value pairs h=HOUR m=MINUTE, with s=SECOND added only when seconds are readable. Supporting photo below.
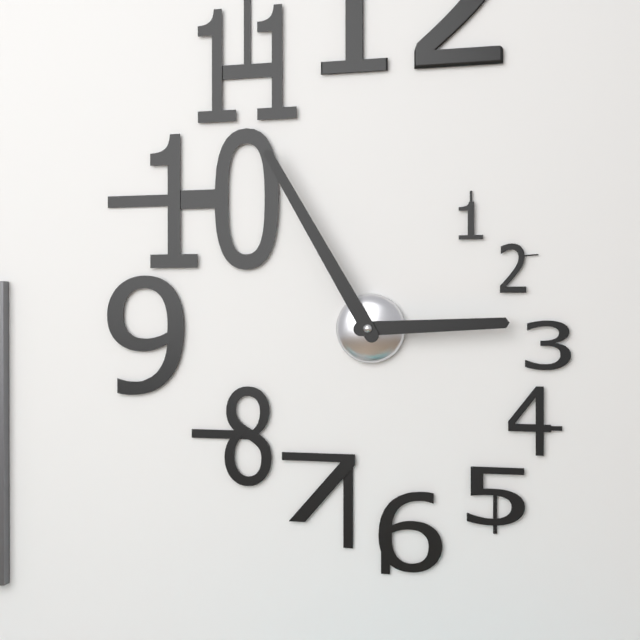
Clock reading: h=2 m=55
